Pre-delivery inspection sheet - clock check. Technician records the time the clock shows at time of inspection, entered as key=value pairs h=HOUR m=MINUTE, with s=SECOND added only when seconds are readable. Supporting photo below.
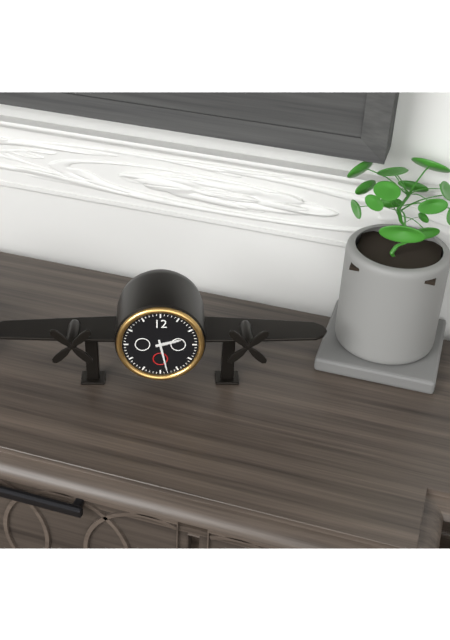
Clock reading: h=2 m=28
